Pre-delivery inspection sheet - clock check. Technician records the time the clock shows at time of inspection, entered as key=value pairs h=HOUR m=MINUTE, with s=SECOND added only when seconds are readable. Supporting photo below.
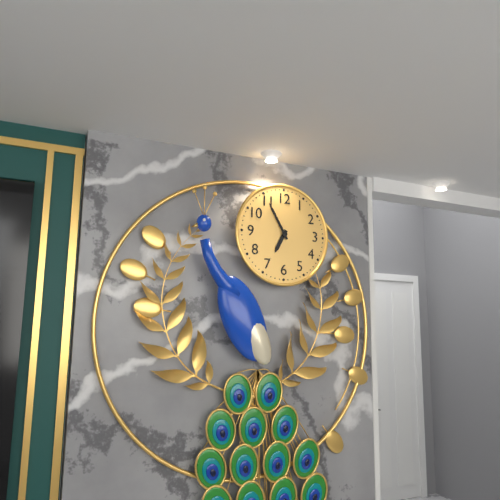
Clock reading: h=6 m=55
